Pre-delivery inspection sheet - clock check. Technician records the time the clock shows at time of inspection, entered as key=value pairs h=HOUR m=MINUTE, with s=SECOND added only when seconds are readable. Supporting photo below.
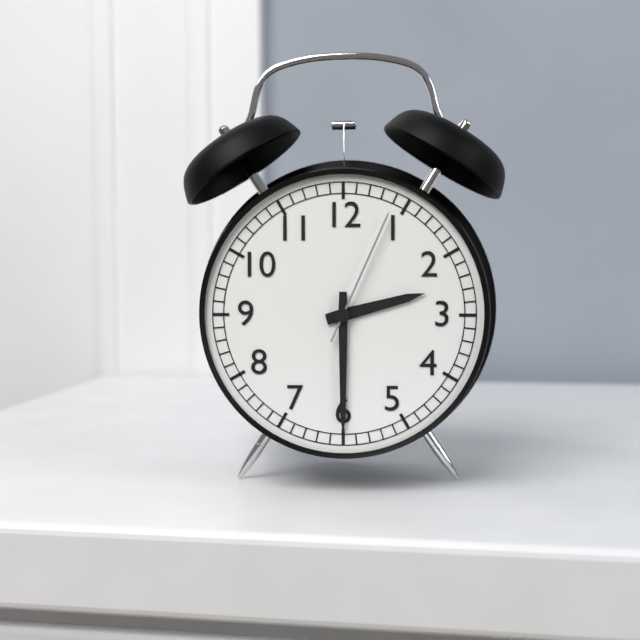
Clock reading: h=2 m=30 s=4
